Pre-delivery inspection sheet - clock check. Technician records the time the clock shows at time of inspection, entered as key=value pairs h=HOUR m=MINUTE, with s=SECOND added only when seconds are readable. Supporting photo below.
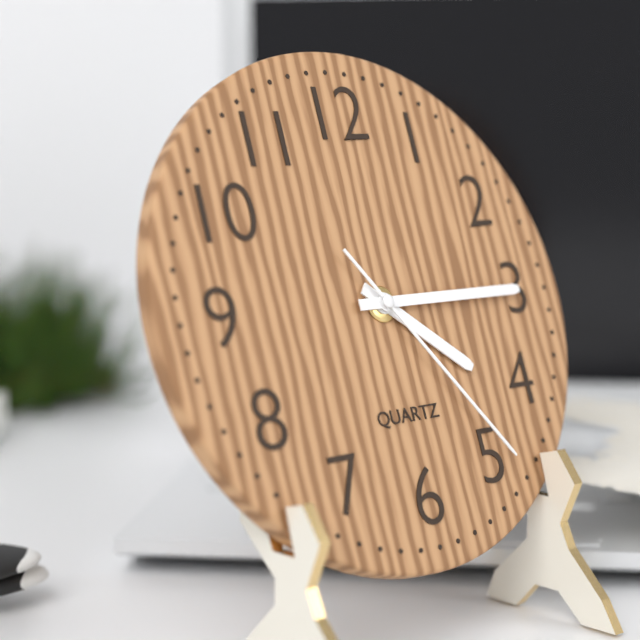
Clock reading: h=4 m=15 s=24
